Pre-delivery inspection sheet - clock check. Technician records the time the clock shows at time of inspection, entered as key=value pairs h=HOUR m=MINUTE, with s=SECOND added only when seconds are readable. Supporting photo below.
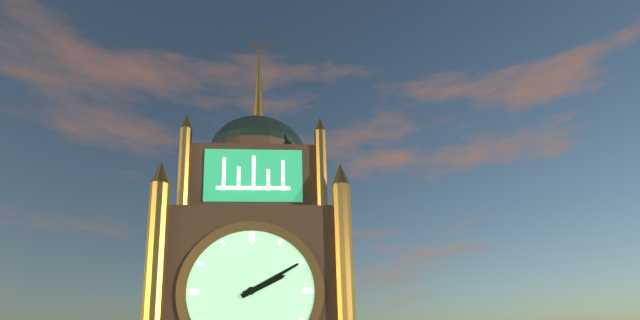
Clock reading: h=2 m=10
